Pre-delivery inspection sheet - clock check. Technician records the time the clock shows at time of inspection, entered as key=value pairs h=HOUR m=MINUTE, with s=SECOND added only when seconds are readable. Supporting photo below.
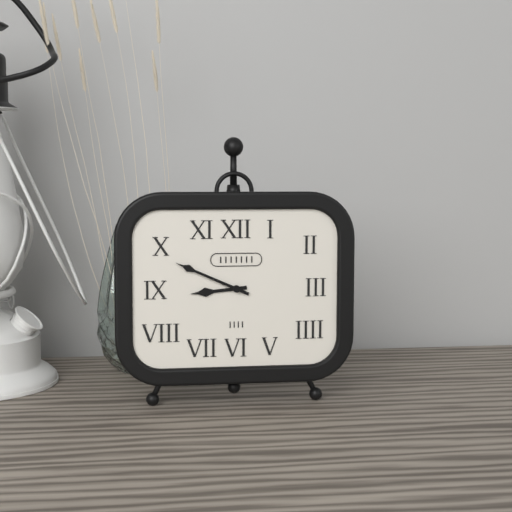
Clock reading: h=8 m=49
